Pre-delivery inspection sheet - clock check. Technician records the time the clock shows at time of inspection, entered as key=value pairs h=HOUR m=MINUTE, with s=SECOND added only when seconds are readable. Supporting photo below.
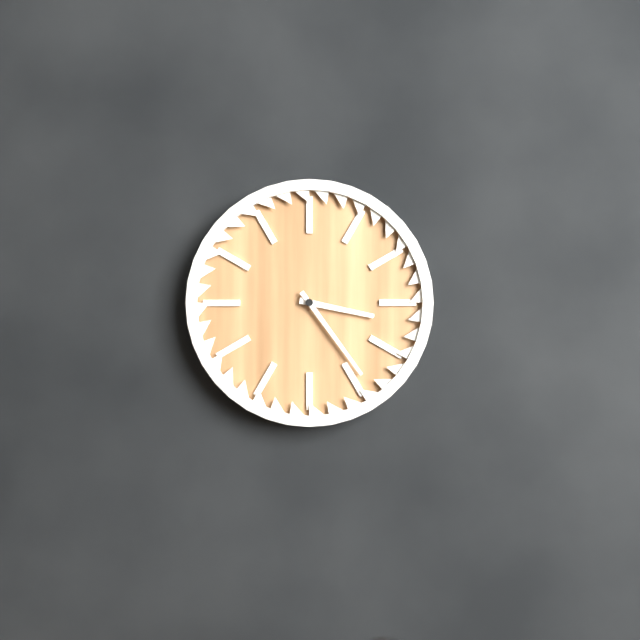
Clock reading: h=3 m=24
